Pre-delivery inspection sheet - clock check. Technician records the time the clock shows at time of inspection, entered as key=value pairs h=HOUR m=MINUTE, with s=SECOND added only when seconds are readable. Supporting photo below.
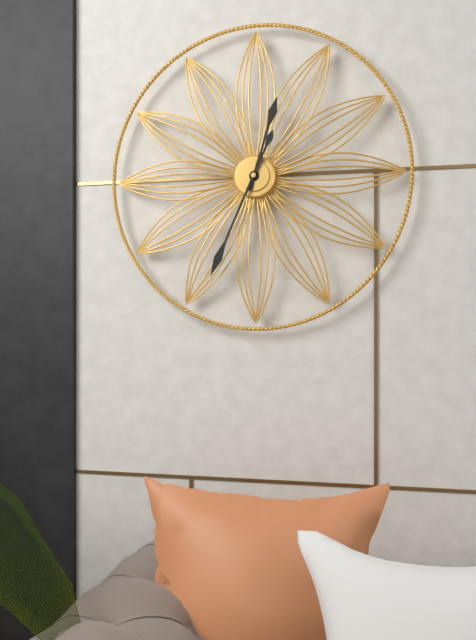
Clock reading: h=12 m=34
